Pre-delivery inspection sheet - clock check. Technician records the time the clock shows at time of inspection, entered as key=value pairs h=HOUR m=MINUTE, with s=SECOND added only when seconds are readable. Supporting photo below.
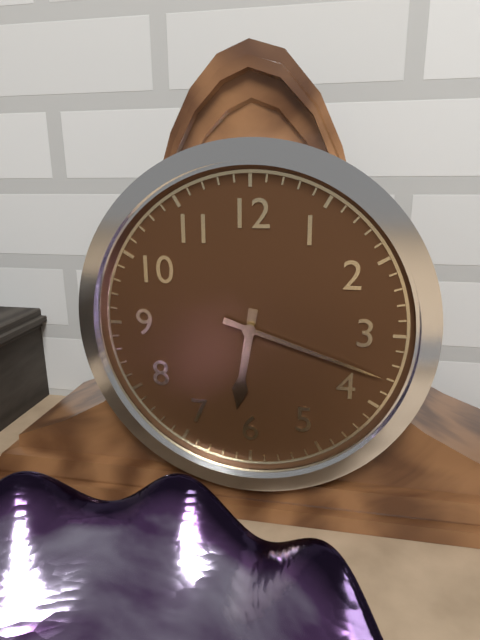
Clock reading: h=6 m=18
